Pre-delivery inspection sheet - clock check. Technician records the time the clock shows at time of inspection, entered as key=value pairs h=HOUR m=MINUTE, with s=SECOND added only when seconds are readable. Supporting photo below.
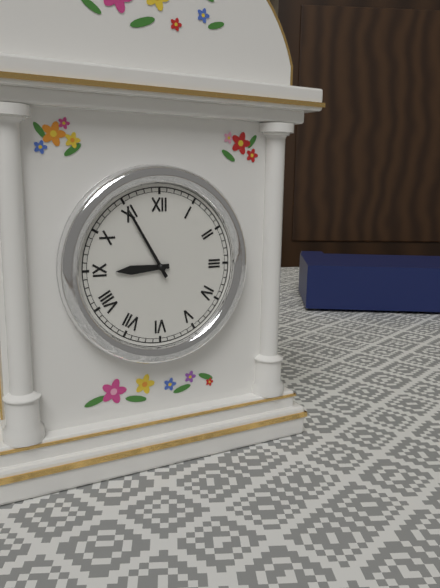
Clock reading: h=8 m=55
